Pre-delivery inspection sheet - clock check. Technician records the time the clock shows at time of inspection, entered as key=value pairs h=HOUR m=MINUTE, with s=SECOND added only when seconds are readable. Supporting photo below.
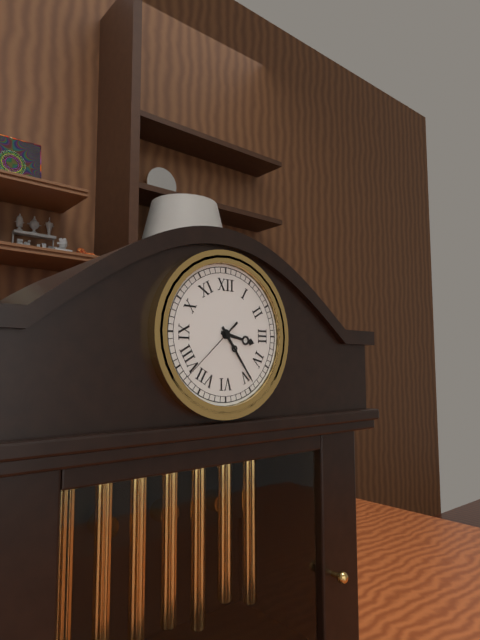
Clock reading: h=3 m=24 s=38
